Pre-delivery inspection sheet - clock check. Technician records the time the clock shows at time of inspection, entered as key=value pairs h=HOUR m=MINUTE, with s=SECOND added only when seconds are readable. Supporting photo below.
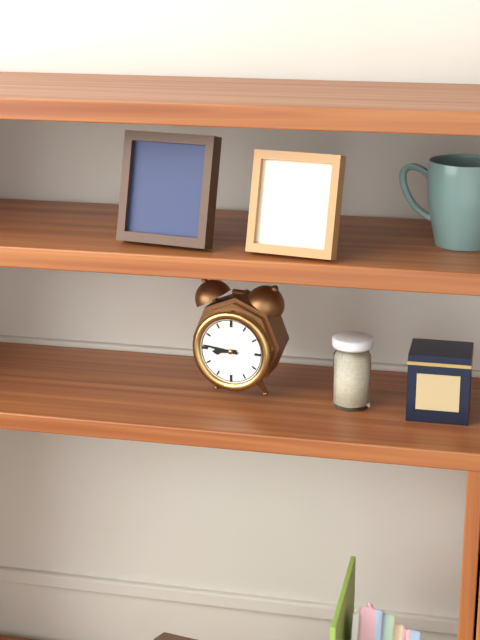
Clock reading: h=8 m=46
